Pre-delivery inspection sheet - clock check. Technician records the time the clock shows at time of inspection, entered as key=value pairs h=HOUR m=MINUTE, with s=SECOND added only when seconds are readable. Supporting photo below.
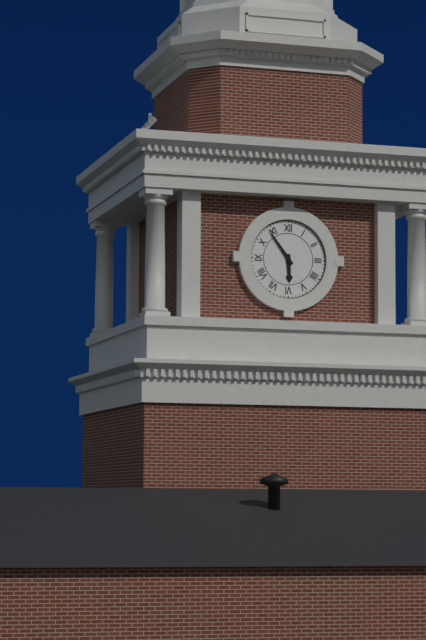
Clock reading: h=5 m=54
